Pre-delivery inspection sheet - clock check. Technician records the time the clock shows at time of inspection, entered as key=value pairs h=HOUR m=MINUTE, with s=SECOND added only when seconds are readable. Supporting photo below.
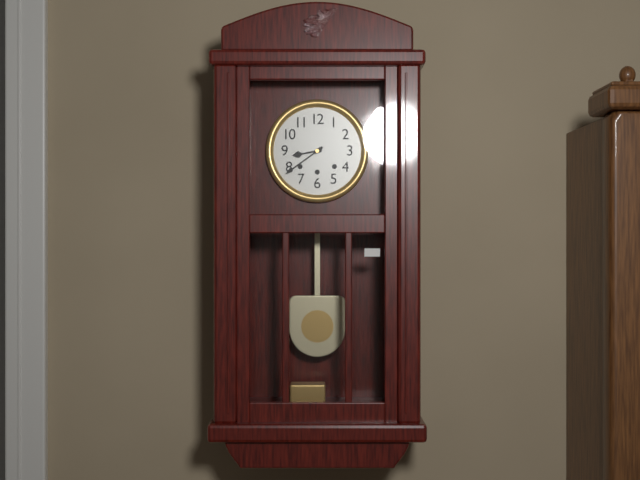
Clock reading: h=8 m=39
